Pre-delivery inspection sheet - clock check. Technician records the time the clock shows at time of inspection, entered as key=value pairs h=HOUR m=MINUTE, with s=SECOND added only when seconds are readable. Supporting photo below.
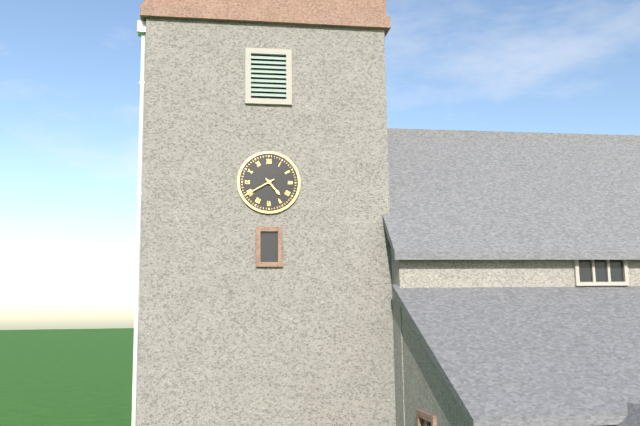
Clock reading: h=4 m=40
